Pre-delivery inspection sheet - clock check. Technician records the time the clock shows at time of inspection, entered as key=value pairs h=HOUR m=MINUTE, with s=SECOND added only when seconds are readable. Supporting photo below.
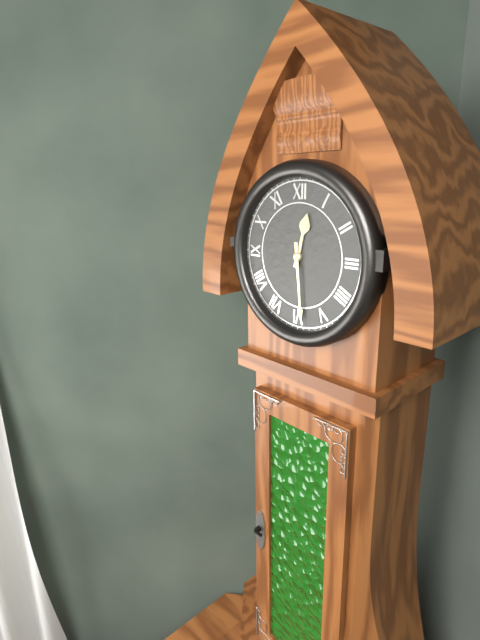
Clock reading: h=12 m=29
